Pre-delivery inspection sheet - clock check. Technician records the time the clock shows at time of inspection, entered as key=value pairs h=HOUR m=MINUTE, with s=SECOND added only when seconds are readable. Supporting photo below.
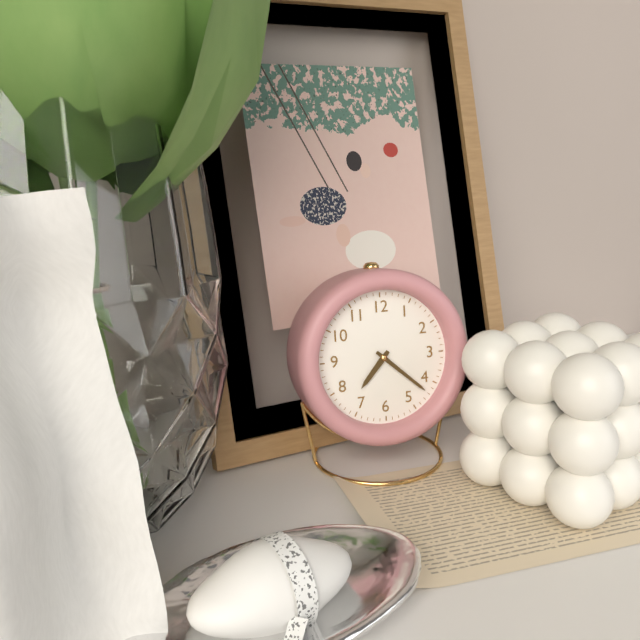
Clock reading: h=7 m=22
